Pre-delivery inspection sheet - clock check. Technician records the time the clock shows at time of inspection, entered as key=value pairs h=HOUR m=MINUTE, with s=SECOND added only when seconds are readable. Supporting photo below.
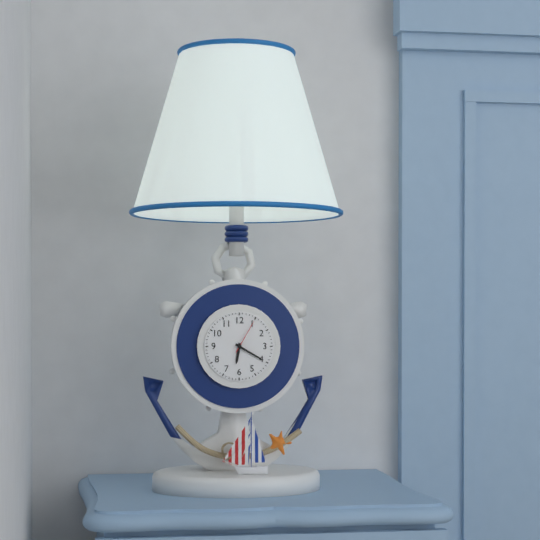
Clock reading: h=6 m=20
